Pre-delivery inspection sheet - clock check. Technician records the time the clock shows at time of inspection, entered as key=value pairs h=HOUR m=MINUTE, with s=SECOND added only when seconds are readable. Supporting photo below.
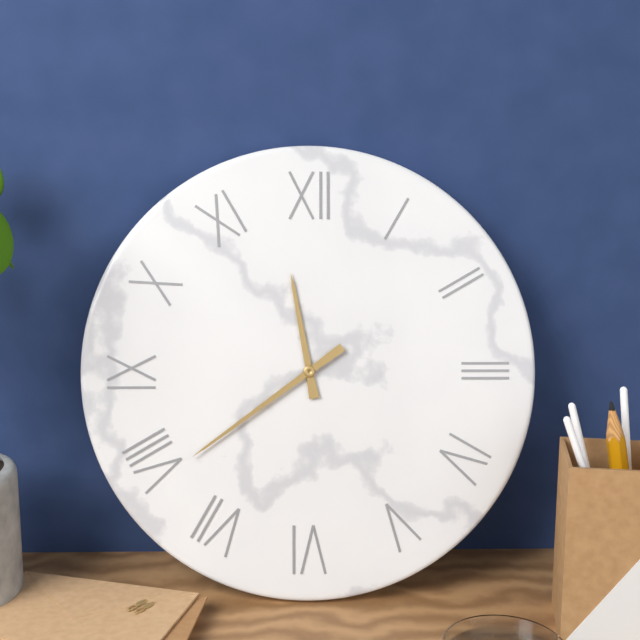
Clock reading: h=11 m=39
